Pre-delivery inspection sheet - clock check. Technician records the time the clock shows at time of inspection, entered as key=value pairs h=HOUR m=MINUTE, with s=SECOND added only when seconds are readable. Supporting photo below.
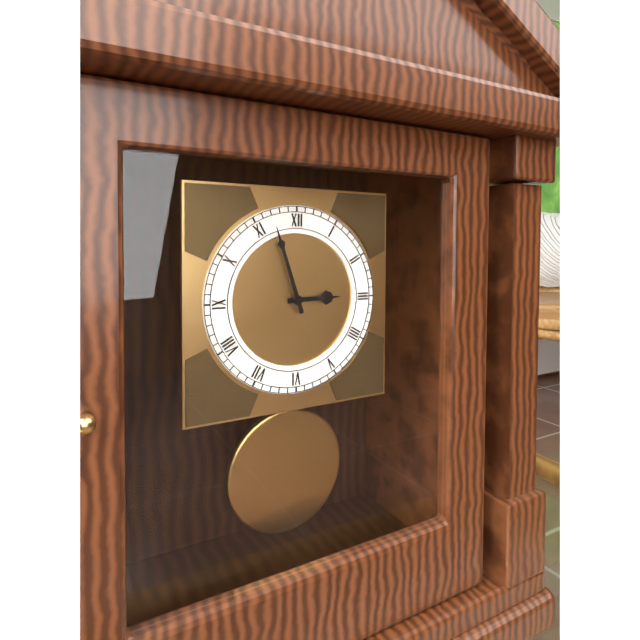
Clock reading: h=2 m=57
